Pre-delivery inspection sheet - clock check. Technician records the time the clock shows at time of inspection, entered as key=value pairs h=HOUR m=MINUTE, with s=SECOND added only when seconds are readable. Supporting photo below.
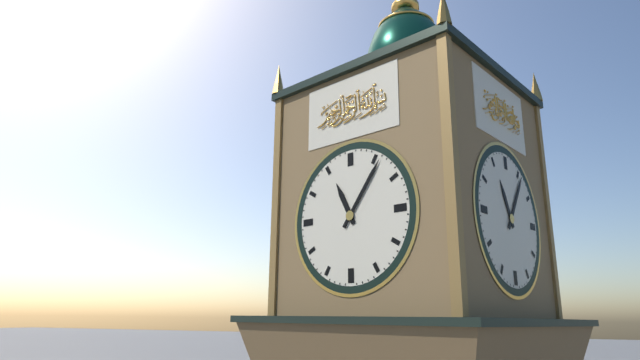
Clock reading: h=11 m=6
